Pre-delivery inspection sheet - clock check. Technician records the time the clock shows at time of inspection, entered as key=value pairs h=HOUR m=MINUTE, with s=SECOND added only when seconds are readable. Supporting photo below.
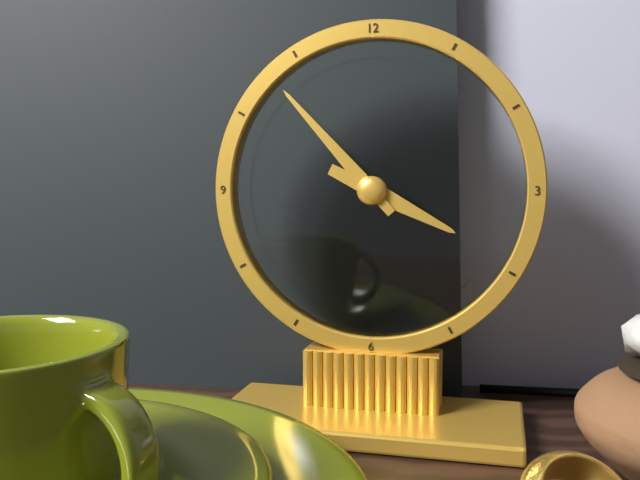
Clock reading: h=3 m=53
